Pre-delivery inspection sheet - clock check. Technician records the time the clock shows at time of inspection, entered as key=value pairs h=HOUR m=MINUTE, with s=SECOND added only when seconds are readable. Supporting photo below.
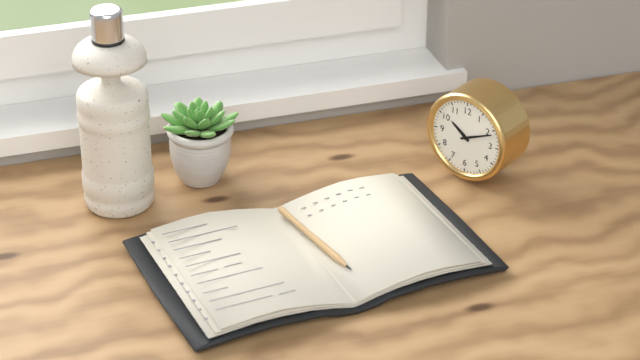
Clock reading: h=10 m=11
